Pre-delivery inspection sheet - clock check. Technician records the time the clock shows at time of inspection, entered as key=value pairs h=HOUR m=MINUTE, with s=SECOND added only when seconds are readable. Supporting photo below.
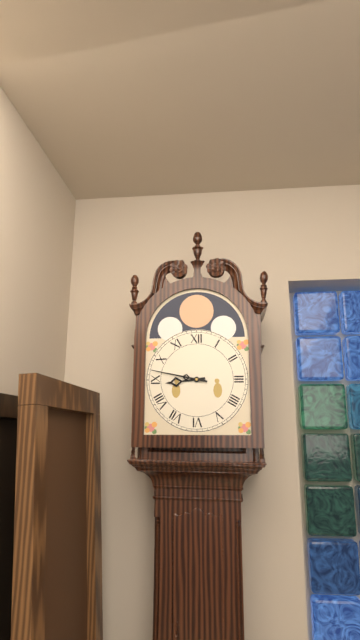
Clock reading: h=8 m=47
